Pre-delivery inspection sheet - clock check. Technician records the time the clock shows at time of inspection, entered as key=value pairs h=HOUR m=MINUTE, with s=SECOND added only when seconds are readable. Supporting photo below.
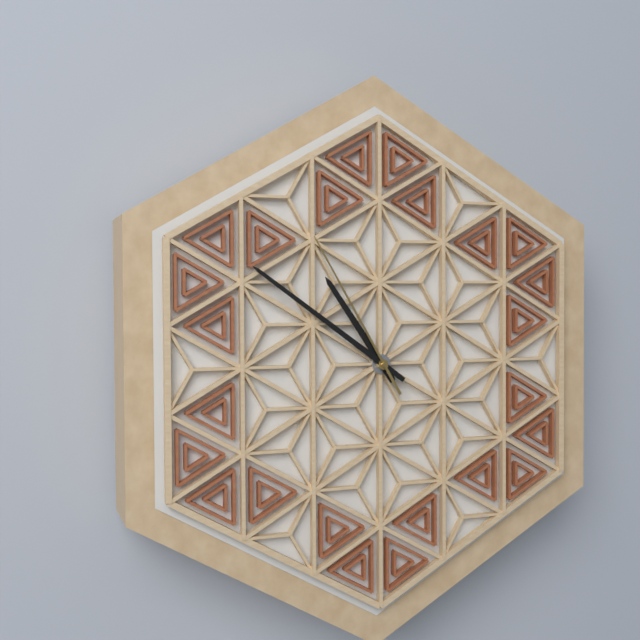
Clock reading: h=10 m=51 s=55
